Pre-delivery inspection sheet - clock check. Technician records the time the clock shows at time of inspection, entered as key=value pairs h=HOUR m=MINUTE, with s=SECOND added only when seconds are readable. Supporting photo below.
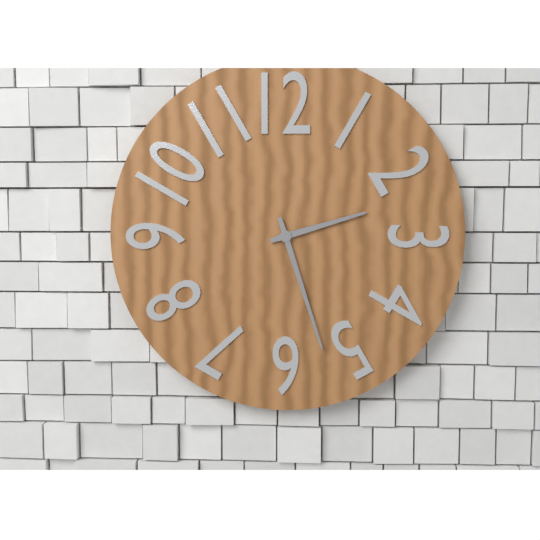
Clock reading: h=2 m=27
